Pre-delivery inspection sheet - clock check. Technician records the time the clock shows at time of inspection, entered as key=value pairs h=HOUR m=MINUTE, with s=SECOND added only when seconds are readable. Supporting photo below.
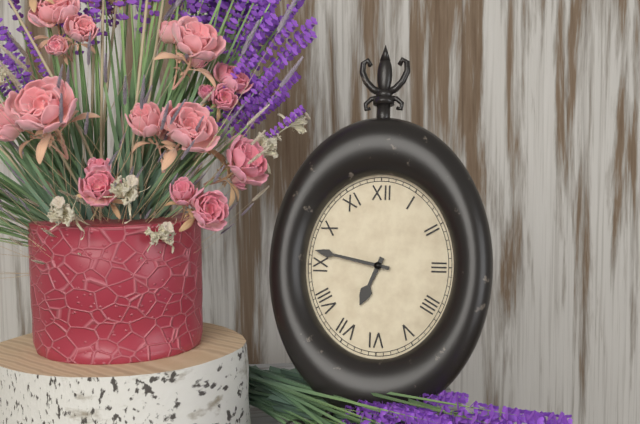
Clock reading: h=6 m=47
